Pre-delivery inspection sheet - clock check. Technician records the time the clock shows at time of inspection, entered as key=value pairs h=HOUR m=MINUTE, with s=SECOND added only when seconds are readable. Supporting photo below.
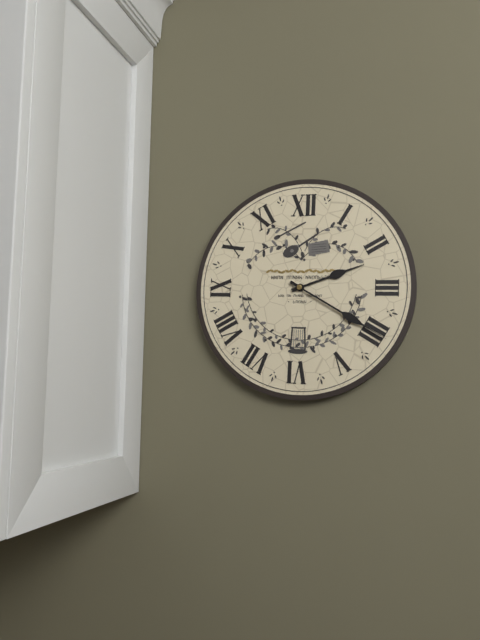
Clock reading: h=2 m=20
